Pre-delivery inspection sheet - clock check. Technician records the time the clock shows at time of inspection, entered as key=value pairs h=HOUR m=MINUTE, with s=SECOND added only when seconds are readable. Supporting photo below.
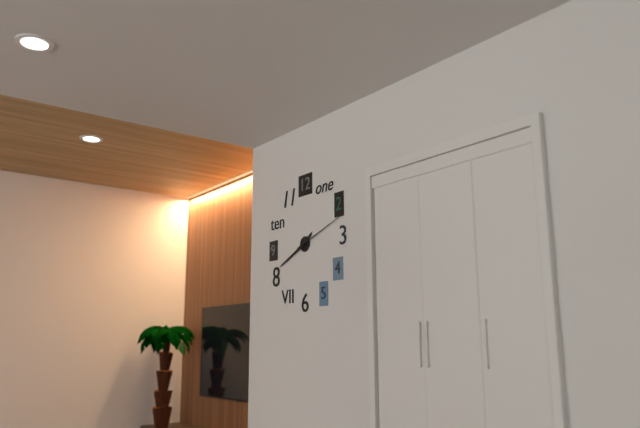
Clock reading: h=1 m=41 s=12
